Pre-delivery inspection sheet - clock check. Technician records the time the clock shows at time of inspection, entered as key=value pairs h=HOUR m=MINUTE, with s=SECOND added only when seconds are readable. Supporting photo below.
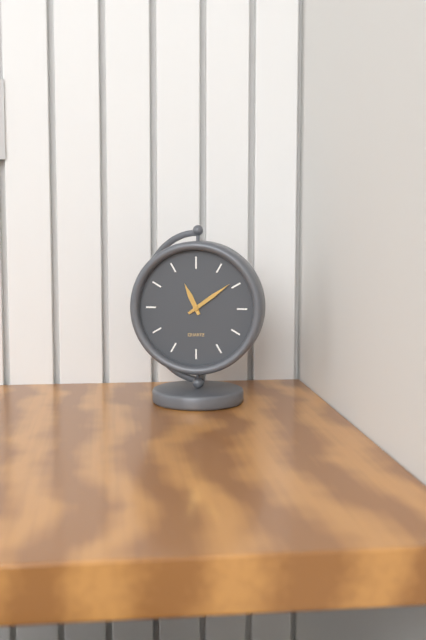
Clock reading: h=11 m=9
